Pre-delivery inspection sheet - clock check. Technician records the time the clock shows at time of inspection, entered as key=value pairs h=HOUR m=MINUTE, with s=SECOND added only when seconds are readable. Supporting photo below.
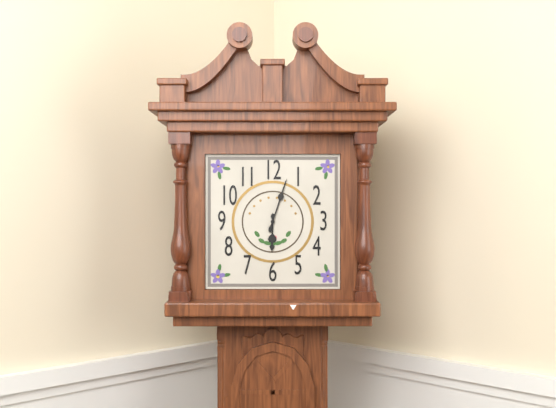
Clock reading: h=6 m=3
